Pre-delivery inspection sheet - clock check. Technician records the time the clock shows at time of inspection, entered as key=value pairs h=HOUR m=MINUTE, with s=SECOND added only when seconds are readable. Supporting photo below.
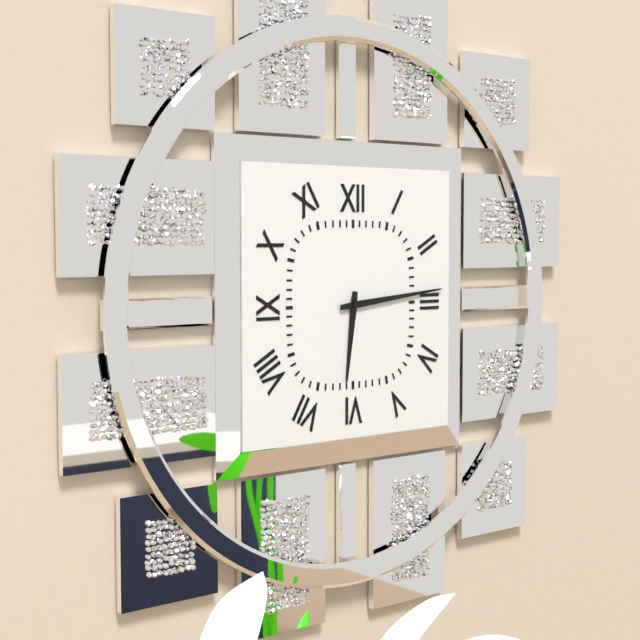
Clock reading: h=6 m=14
